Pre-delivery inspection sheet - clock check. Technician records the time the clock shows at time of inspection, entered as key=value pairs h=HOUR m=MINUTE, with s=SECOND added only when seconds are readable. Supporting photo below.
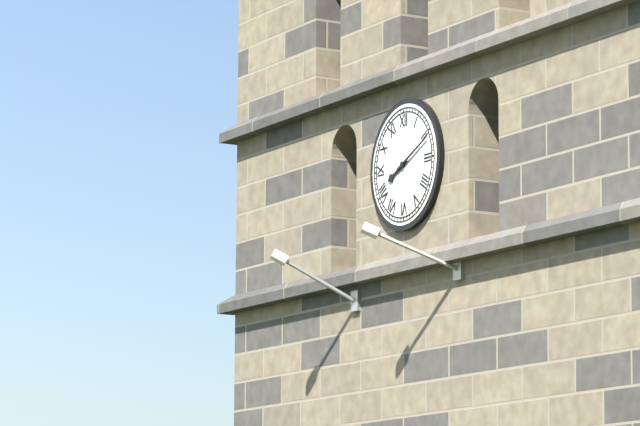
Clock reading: h=8 m=11
